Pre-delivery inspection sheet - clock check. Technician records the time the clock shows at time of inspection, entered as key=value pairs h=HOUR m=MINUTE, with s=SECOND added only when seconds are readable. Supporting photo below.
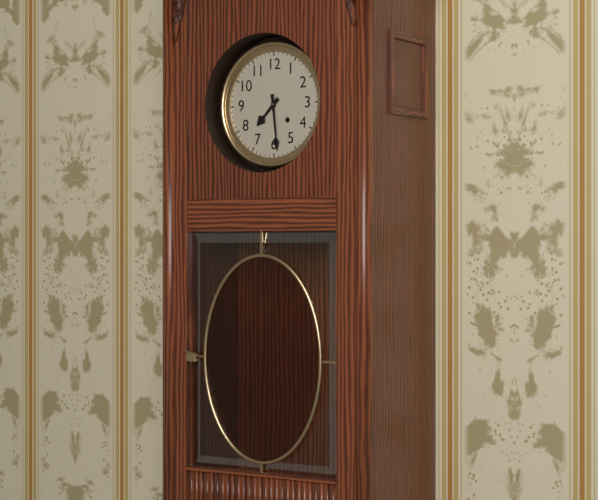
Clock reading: h=7 m=29
